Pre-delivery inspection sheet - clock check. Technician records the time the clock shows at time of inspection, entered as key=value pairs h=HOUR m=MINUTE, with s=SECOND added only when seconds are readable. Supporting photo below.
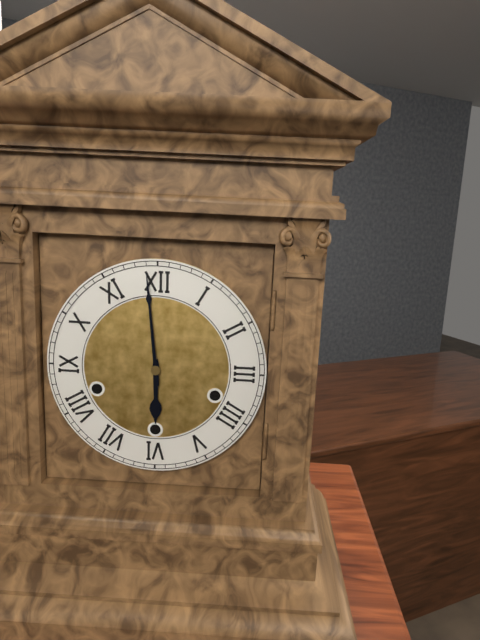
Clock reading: h=5 m=59
